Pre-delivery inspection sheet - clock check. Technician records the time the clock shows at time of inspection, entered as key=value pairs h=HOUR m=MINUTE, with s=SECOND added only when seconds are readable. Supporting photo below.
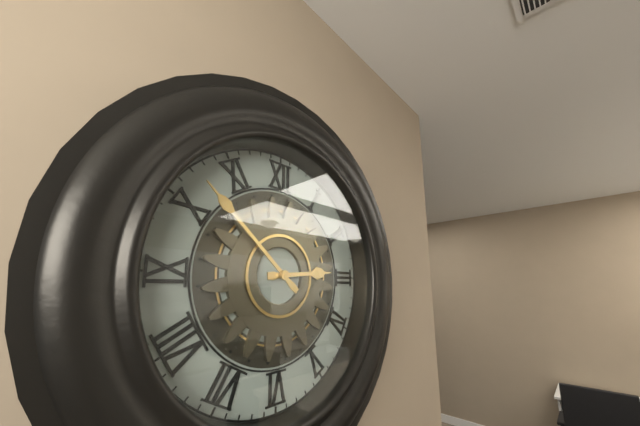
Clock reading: h=2 m=52
